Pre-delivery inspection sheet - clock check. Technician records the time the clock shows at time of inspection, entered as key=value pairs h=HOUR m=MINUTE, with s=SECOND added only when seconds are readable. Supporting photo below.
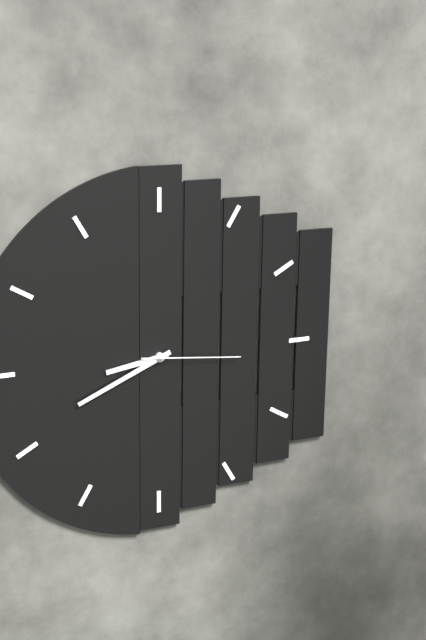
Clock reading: h=8 m=41 s=16
